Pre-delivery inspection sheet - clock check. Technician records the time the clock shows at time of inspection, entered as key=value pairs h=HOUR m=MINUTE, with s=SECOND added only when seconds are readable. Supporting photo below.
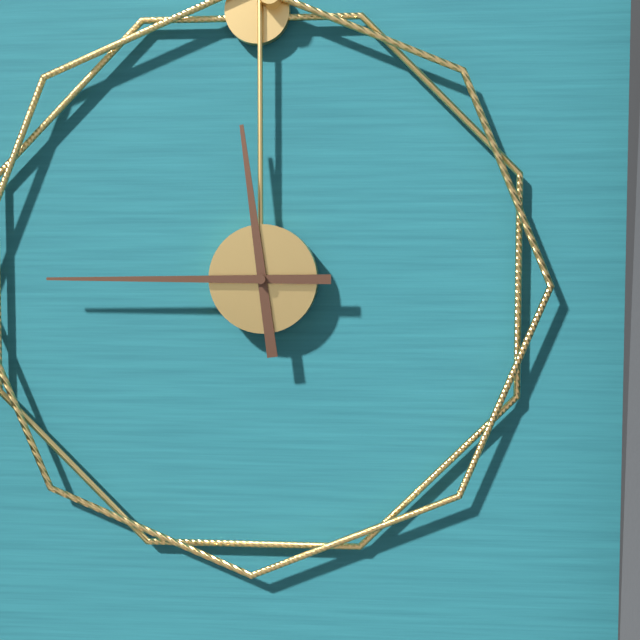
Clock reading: h=11 m=45
